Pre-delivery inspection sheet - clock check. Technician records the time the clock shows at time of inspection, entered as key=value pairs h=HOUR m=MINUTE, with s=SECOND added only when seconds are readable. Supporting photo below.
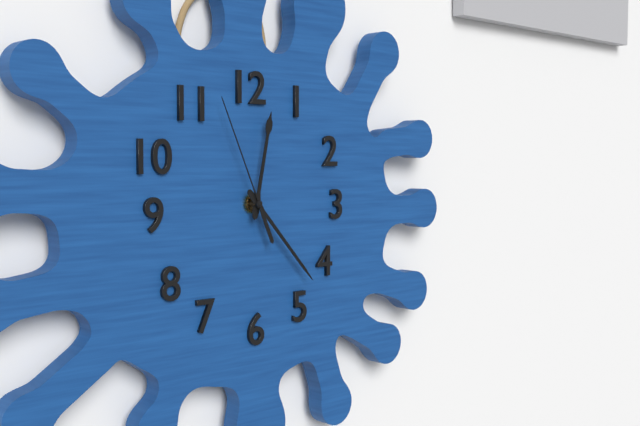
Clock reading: h=12 m=23 s=56
